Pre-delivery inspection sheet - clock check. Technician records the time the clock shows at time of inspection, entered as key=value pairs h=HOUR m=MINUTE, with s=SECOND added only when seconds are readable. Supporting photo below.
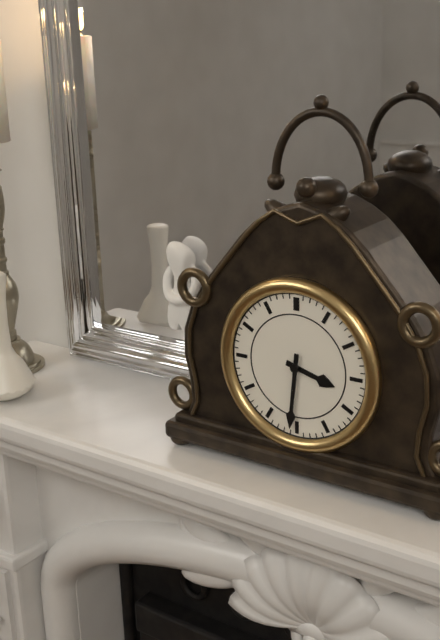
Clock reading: h=3 m=31
